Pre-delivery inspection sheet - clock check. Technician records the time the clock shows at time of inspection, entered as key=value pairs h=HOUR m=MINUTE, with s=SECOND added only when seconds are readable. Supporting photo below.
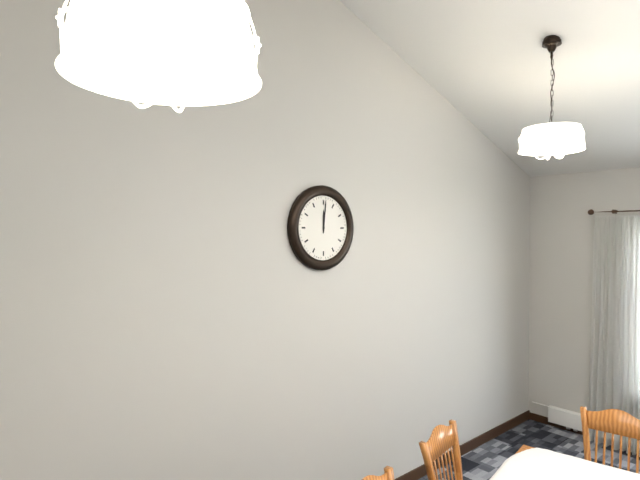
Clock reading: h=12 m=1
